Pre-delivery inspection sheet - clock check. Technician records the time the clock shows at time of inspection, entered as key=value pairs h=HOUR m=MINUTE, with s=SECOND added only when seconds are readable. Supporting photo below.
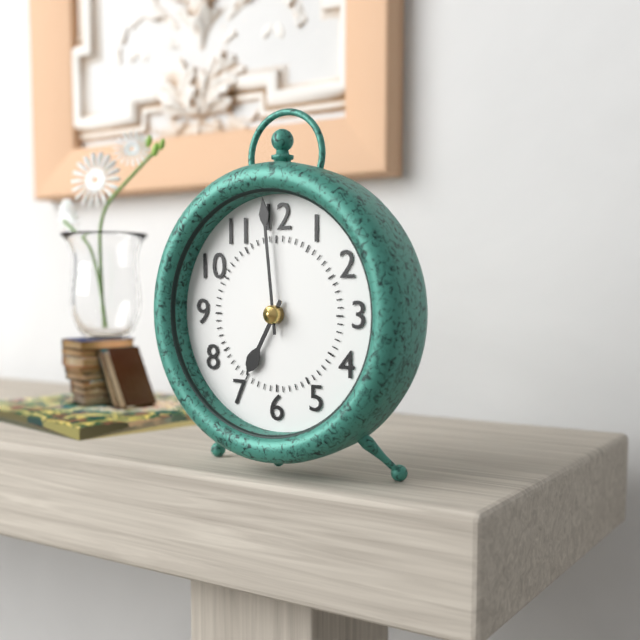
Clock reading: h=6 m=59
